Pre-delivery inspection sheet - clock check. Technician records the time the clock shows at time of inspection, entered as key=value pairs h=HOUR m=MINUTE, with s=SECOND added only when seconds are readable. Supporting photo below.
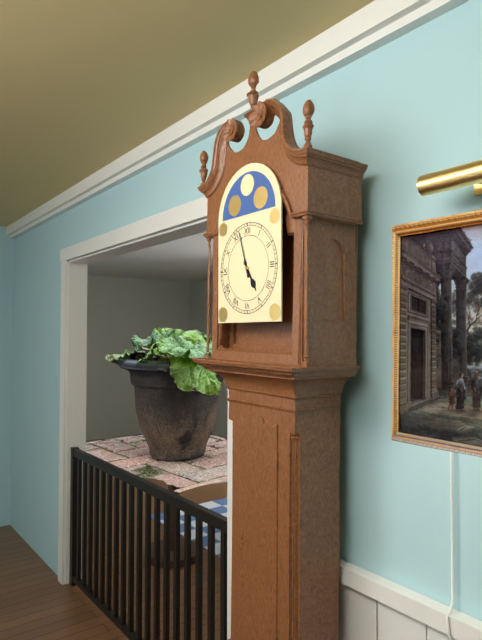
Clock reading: h=4 m=57
